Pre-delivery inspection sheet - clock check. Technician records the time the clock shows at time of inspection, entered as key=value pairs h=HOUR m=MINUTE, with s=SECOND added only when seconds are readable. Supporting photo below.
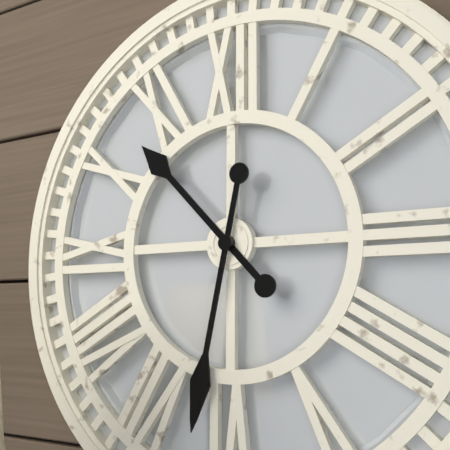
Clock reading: h=10 m=32
